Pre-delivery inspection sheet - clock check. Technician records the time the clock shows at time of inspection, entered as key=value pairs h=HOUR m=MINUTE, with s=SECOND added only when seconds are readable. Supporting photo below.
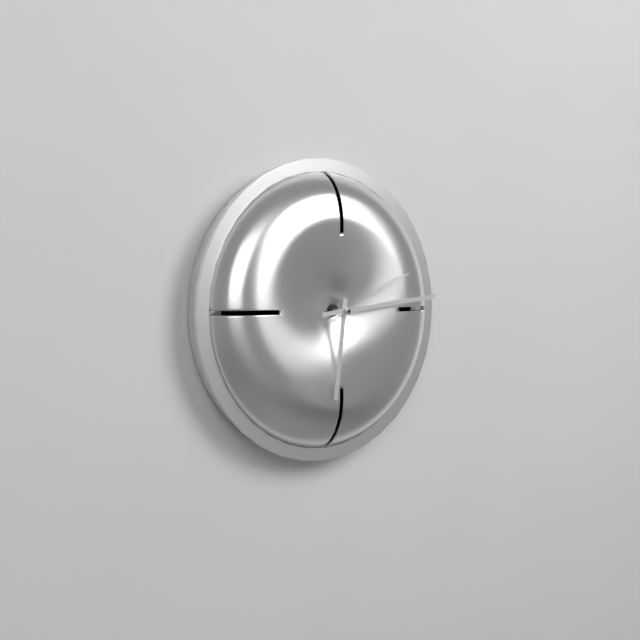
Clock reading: h=6 m=14 s=11
